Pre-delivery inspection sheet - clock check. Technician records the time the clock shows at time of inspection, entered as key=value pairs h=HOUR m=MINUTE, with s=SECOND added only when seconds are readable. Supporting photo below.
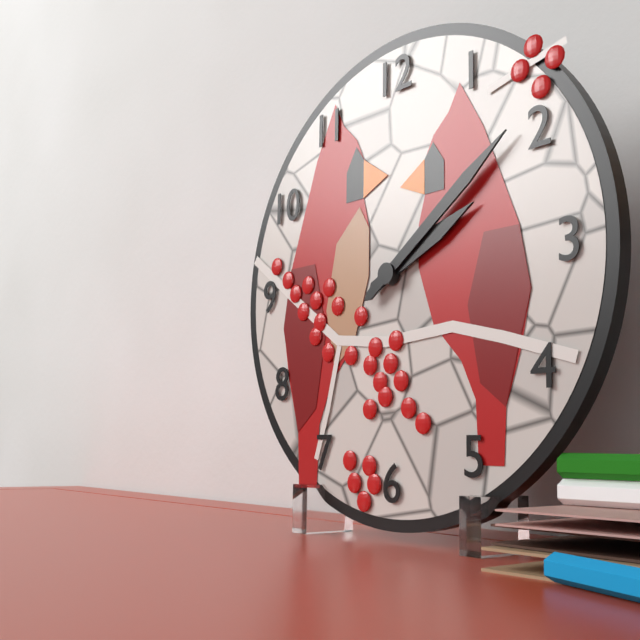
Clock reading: h=2 m=9
